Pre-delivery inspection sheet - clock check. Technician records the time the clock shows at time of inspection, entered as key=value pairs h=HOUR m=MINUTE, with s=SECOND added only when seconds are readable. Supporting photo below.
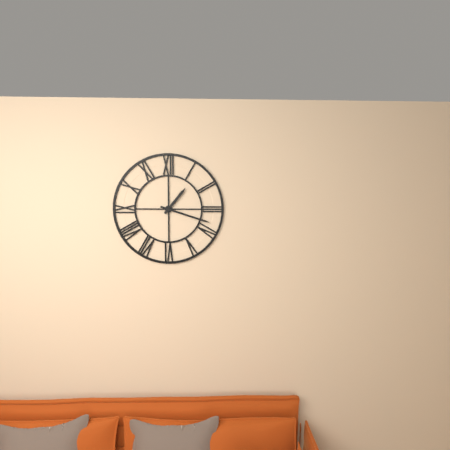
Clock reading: h=1 m=18
